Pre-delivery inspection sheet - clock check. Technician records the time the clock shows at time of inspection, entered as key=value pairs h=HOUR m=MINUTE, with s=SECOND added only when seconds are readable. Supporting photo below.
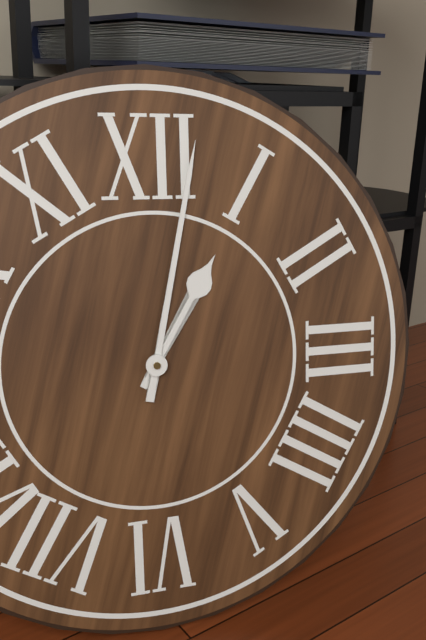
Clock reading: h=1 m=2
